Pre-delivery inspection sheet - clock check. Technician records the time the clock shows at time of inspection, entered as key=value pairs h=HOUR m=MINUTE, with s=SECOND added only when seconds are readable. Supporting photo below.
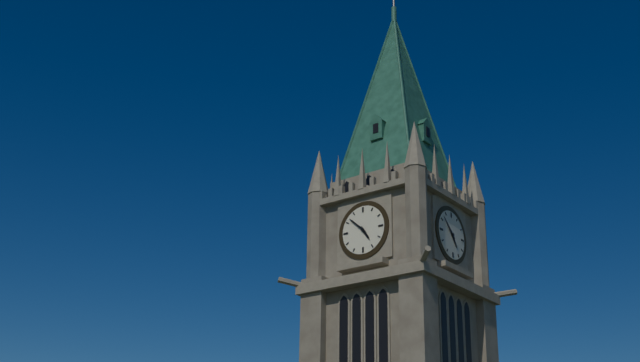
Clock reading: h=4 m=52
